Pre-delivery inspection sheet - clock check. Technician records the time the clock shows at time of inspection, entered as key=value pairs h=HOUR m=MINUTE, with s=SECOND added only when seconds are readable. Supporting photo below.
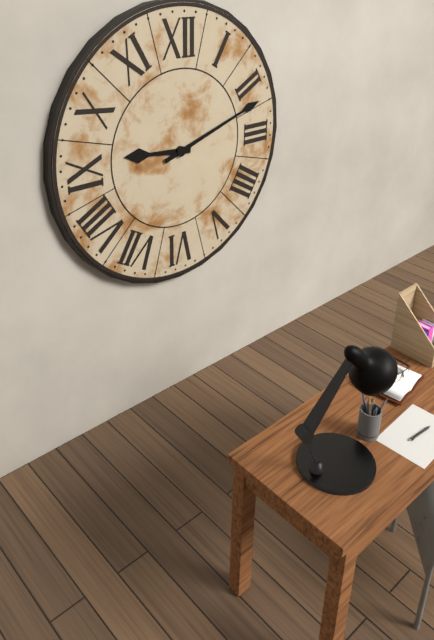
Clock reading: h=9 m=12
